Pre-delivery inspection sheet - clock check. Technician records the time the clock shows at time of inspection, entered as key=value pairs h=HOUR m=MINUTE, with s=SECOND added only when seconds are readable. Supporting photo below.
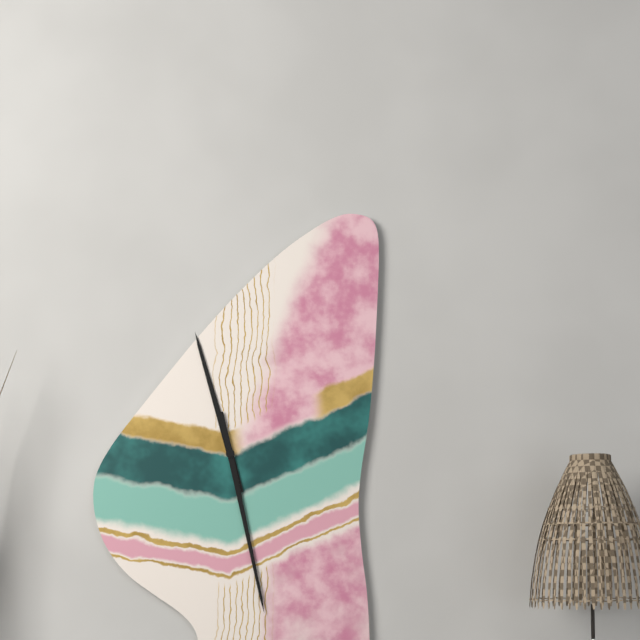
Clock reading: h=11 m=28
